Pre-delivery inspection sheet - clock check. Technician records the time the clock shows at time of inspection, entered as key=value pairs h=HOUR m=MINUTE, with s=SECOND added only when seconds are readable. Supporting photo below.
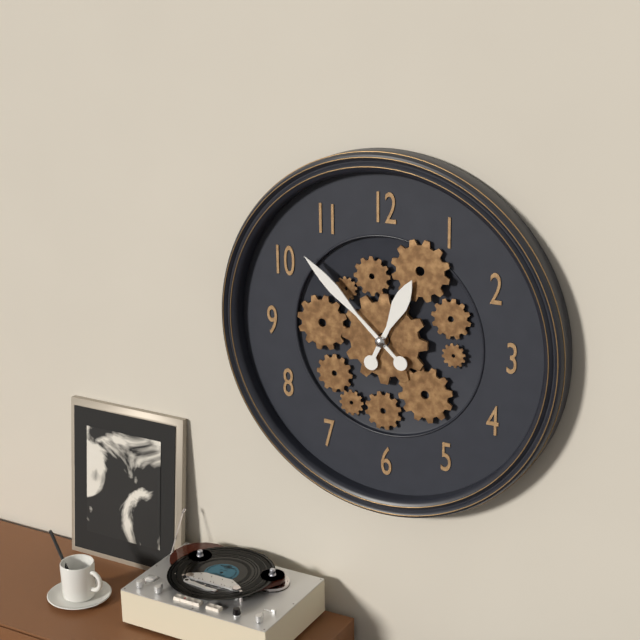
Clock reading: h=12 m=52
